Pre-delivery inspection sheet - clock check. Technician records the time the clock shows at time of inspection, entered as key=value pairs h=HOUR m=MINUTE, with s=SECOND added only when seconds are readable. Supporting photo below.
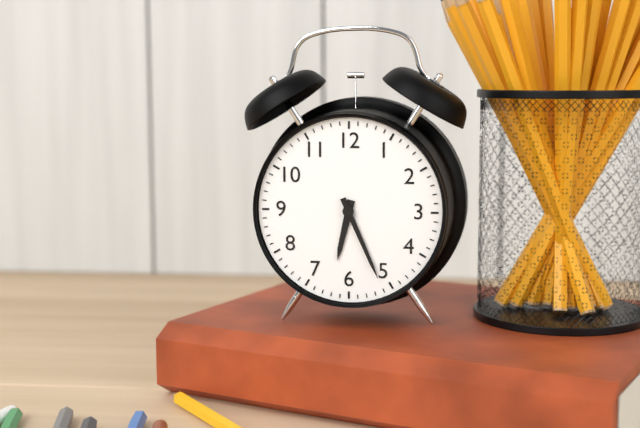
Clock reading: h=6 m=26
